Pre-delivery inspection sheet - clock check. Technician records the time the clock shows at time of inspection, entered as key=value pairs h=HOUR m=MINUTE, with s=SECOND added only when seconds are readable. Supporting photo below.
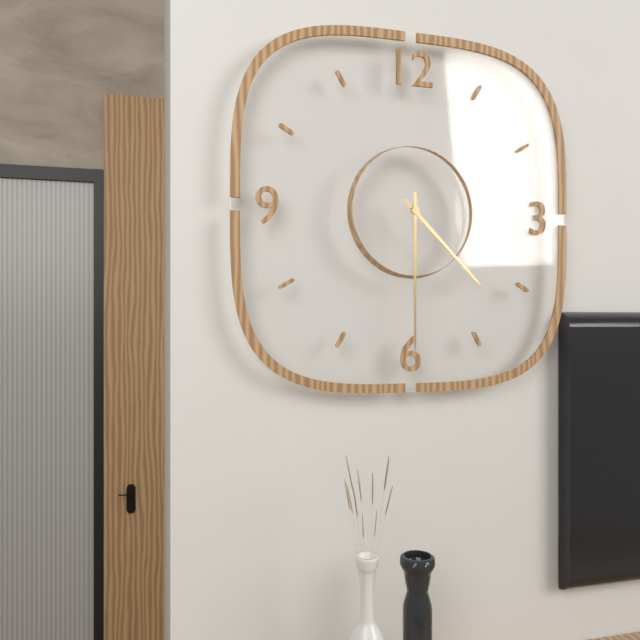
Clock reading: h=4 m=30
